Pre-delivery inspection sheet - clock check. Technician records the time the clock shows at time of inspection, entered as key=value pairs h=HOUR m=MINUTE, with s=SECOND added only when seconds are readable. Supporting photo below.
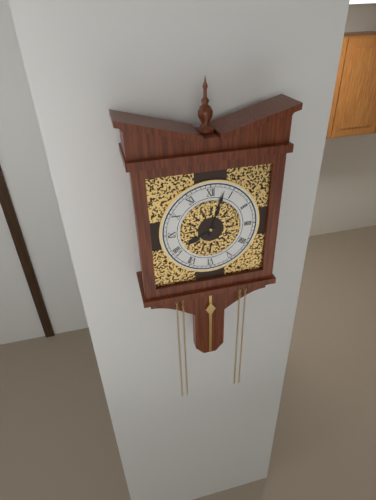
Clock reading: h=8 m=3
